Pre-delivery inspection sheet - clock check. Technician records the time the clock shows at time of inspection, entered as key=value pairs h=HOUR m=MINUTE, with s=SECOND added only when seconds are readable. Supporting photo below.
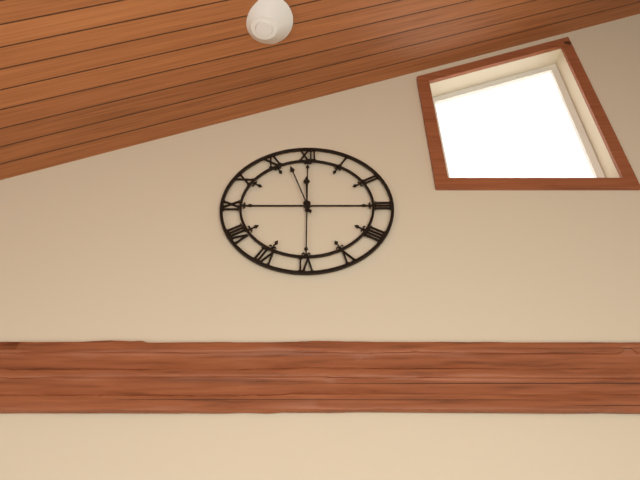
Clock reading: h=11 m=57
